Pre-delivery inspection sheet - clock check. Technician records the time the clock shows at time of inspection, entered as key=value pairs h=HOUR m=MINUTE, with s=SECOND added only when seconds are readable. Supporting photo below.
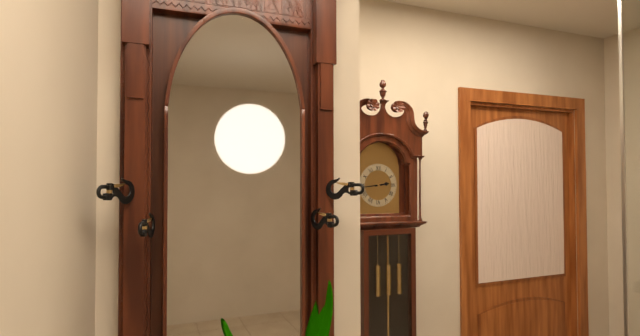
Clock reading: h=2 m=44
